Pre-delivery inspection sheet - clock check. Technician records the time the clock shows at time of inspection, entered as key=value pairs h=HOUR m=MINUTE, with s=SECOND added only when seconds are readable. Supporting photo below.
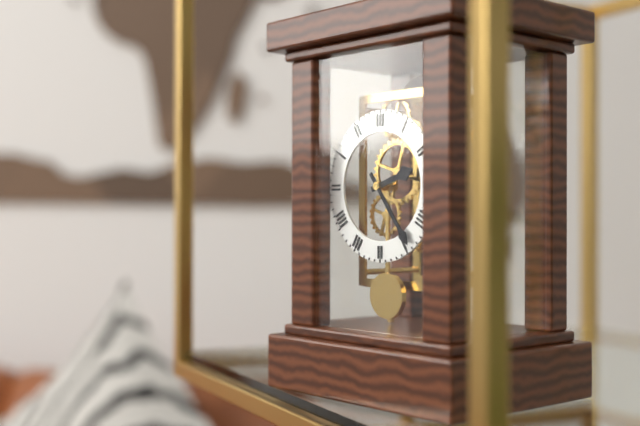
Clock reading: h=2 m=24
